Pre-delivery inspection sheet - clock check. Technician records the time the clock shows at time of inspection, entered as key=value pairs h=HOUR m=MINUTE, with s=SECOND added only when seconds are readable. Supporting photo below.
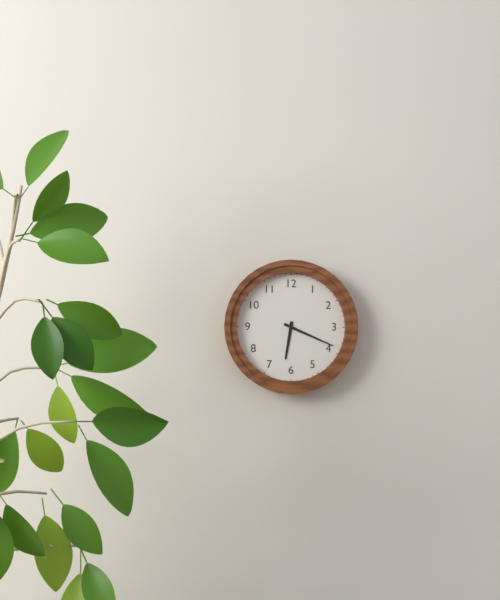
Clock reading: h=6 m=19
